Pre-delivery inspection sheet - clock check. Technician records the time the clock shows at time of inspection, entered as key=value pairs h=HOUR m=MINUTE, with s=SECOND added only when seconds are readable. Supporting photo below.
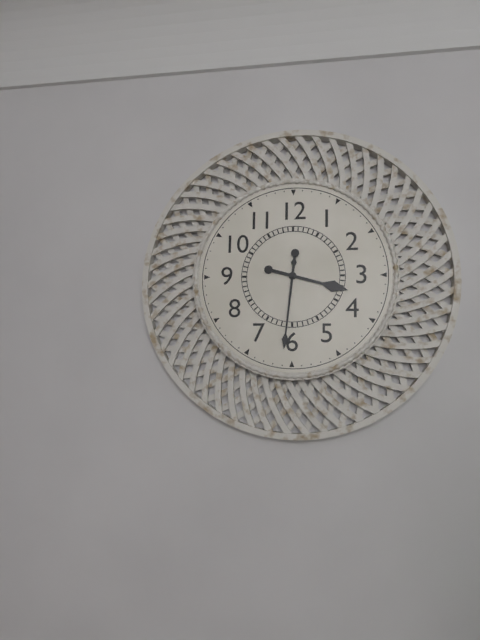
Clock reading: h=3 m=31
